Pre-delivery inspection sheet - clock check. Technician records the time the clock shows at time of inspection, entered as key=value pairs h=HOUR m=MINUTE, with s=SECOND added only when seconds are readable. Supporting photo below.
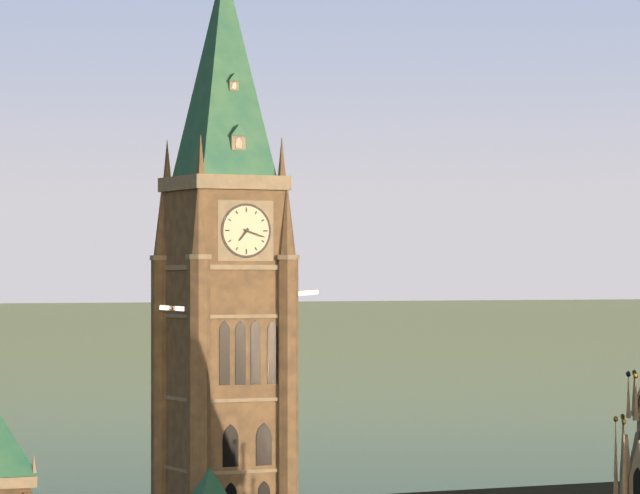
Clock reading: h=7 m=18
